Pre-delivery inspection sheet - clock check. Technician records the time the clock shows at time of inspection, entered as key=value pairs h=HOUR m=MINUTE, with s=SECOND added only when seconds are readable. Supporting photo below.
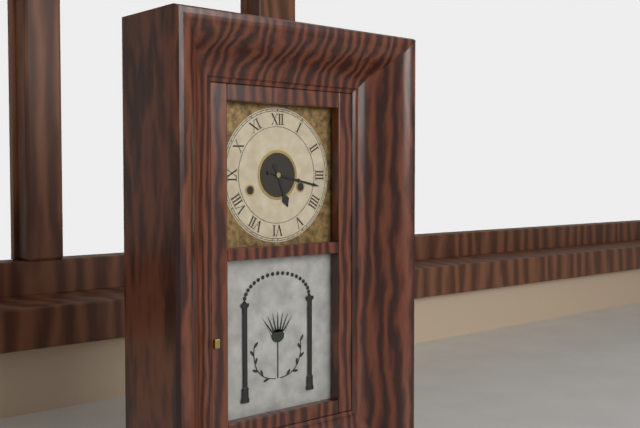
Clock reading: h=5 m=17
